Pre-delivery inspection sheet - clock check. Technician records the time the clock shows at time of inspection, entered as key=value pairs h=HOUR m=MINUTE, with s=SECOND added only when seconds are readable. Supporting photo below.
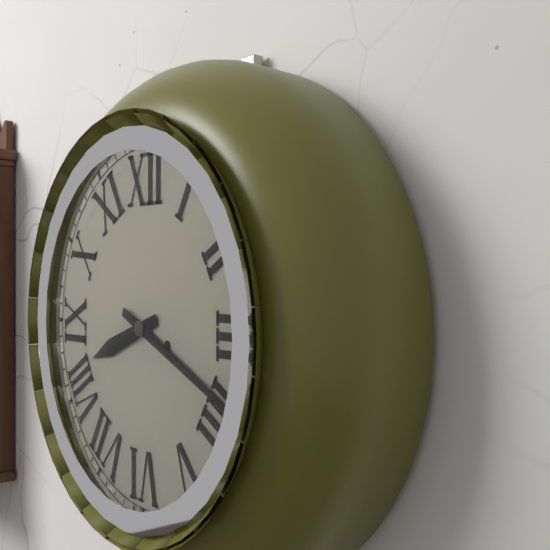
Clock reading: h=8 m=19
